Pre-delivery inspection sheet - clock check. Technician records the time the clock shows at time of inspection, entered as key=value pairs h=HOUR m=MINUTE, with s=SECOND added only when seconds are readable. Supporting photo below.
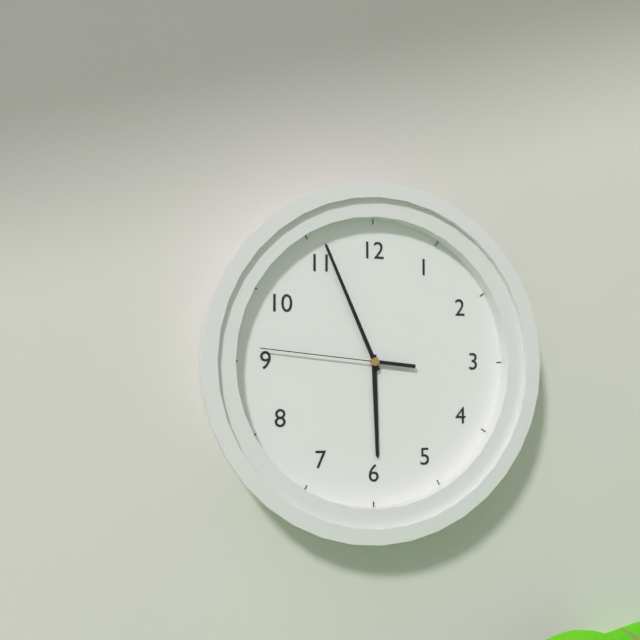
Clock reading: h=5 m=56 s=46
